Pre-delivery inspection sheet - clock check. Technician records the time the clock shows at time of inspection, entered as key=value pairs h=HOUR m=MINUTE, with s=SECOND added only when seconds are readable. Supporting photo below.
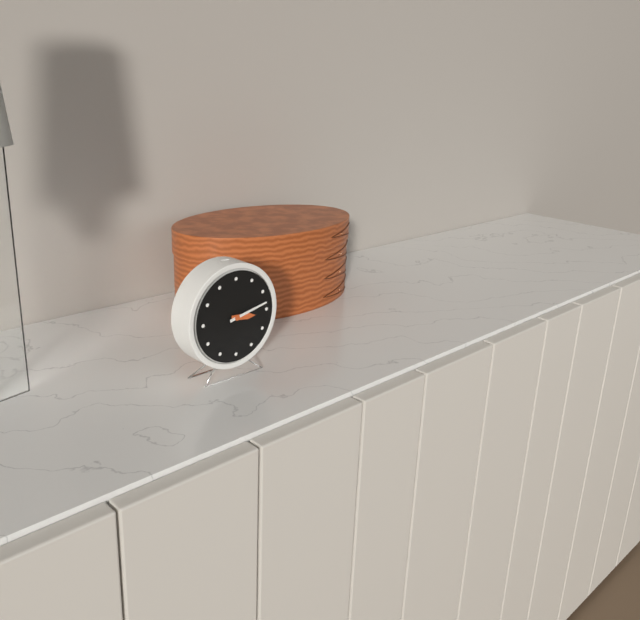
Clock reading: h=3 m=13
